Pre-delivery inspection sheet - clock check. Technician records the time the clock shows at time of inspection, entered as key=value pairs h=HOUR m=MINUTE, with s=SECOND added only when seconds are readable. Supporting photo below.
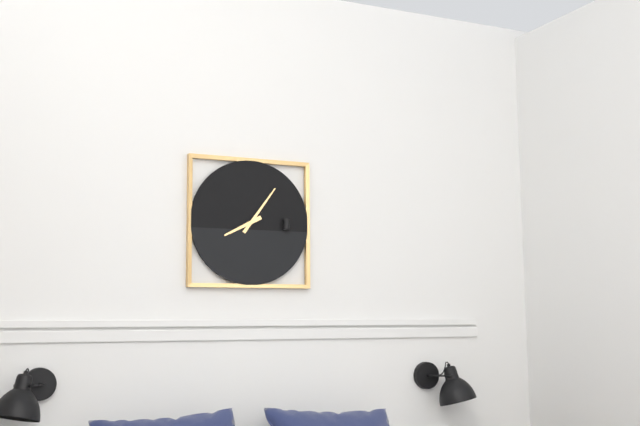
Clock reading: h=8 m=6
